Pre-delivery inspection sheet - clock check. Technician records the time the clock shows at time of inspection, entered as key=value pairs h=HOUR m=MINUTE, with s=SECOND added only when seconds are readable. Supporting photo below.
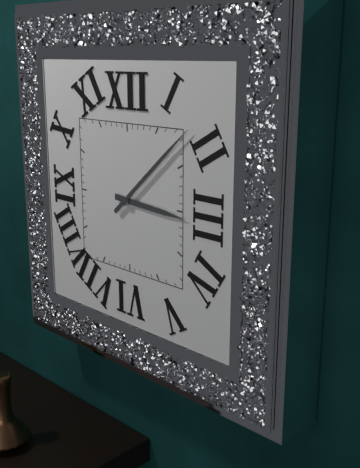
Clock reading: h=3 m=8
